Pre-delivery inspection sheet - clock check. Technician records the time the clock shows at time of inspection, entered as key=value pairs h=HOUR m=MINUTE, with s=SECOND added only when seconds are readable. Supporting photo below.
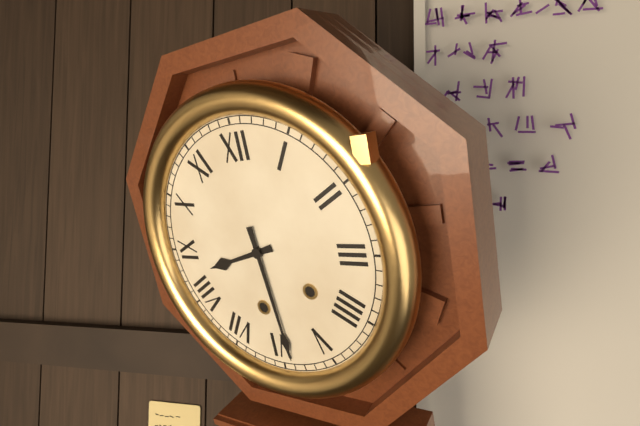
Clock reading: h=8 m=29
